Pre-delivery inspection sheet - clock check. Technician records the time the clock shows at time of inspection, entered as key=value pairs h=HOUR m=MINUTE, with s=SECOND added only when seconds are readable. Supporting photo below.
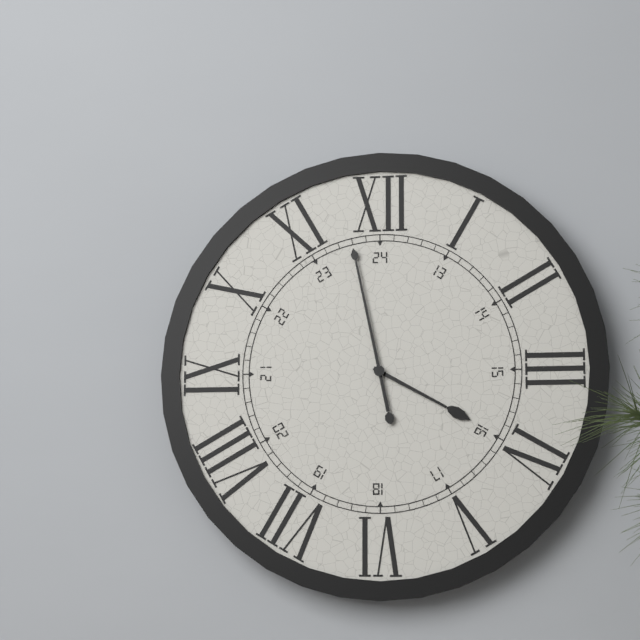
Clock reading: h=3 m=58
